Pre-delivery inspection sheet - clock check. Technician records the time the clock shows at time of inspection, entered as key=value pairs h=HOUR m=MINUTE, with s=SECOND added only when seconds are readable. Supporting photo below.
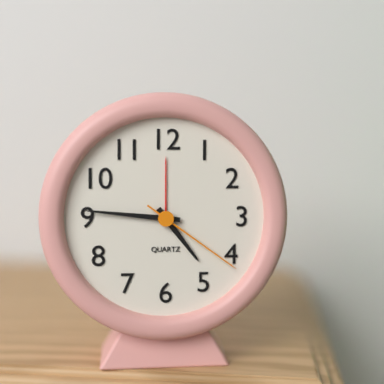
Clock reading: h=4 m=46 s=21
